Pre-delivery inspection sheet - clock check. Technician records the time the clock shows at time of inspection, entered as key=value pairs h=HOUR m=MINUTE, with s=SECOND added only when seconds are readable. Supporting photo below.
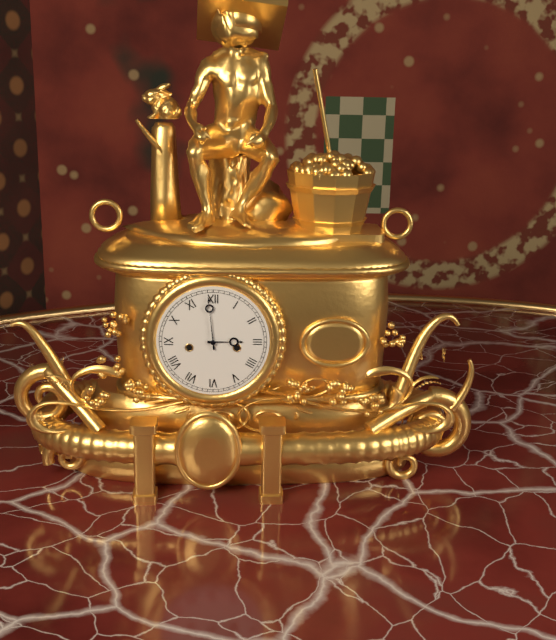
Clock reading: h=2 m=59
